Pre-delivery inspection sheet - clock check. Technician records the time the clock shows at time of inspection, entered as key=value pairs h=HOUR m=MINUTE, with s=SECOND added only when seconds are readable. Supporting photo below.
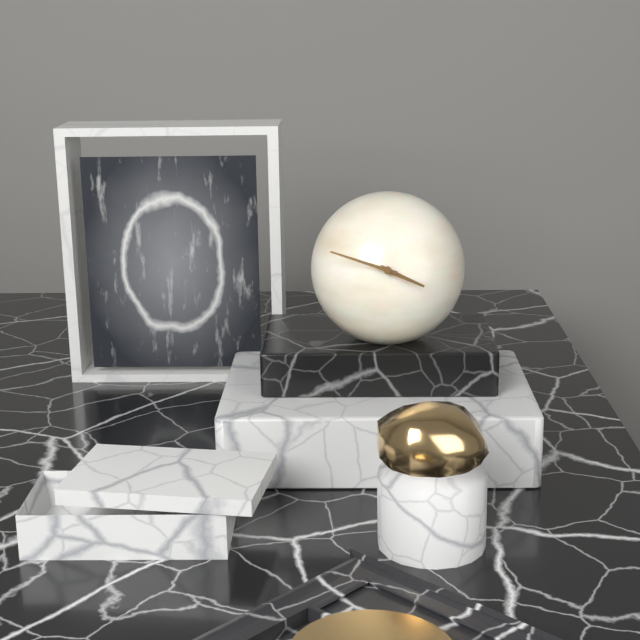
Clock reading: h=3 m=48
